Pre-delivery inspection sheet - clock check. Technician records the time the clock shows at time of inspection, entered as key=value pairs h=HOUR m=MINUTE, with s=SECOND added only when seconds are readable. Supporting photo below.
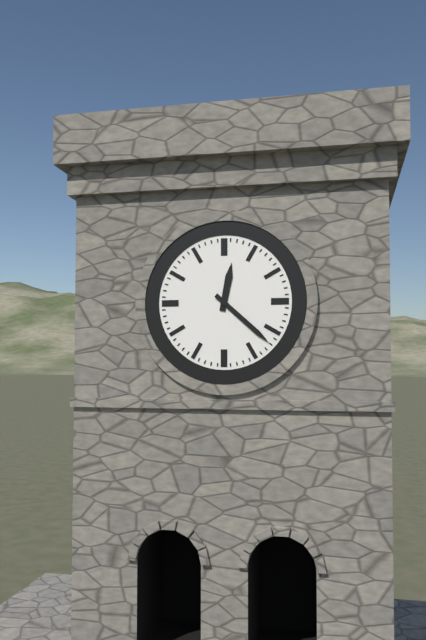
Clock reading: h=12 m=22
